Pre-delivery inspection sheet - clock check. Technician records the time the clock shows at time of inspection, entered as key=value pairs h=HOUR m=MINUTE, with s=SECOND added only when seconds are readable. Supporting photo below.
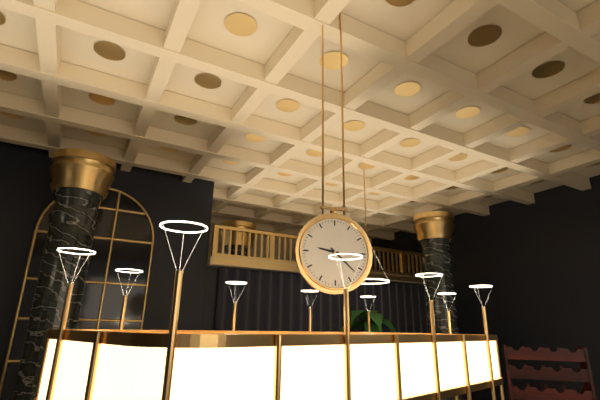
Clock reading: h=9 m=22
